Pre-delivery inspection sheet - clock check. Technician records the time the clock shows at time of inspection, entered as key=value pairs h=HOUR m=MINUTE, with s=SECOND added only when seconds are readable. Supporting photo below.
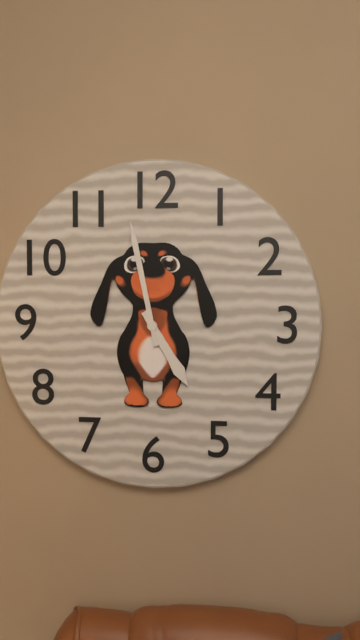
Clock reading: h=4 m=58
